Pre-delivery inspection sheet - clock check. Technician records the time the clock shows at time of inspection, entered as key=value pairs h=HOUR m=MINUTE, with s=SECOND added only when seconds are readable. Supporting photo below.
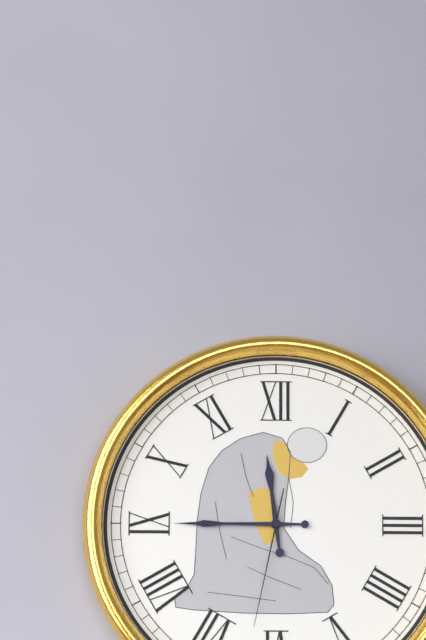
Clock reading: h=11 m=45 s=32
